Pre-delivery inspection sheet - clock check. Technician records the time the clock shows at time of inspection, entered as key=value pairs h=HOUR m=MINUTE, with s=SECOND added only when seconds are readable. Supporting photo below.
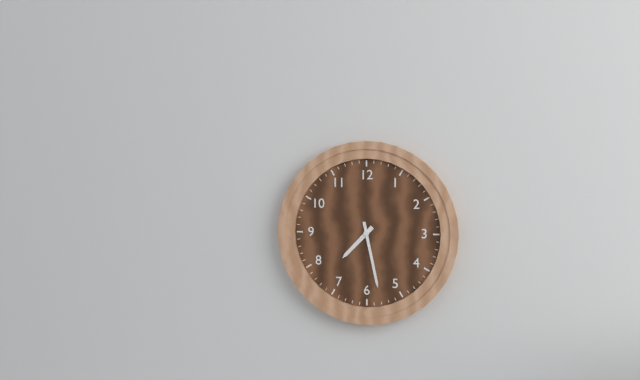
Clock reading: h=7 m=28
